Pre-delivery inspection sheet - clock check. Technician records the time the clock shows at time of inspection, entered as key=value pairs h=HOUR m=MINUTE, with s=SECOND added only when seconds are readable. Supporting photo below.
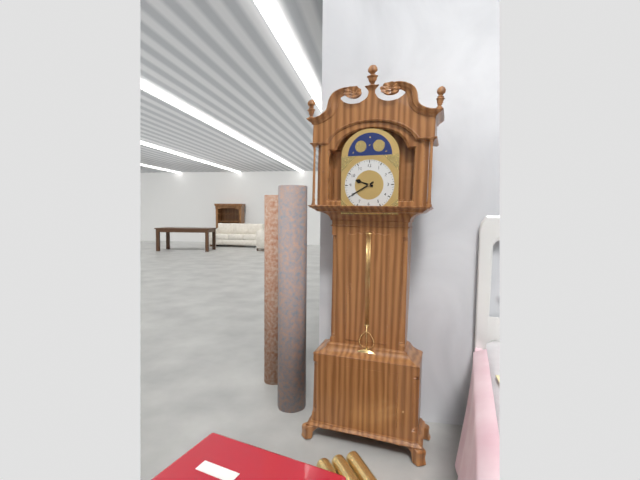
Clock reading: h=9 m=40
